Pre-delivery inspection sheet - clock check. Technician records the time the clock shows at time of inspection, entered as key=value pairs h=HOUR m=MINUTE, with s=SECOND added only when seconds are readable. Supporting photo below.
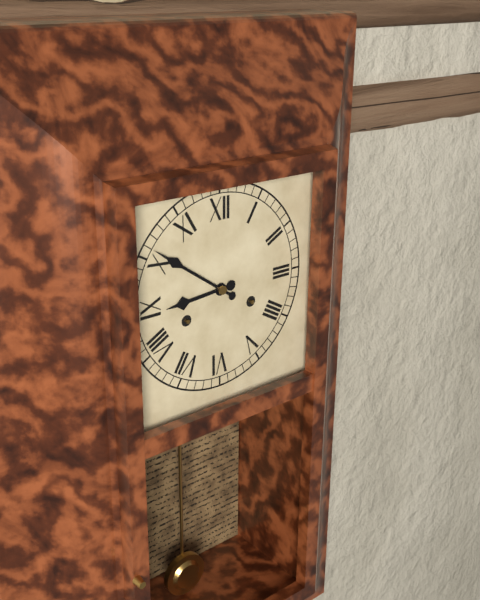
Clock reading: h=8 m=51
